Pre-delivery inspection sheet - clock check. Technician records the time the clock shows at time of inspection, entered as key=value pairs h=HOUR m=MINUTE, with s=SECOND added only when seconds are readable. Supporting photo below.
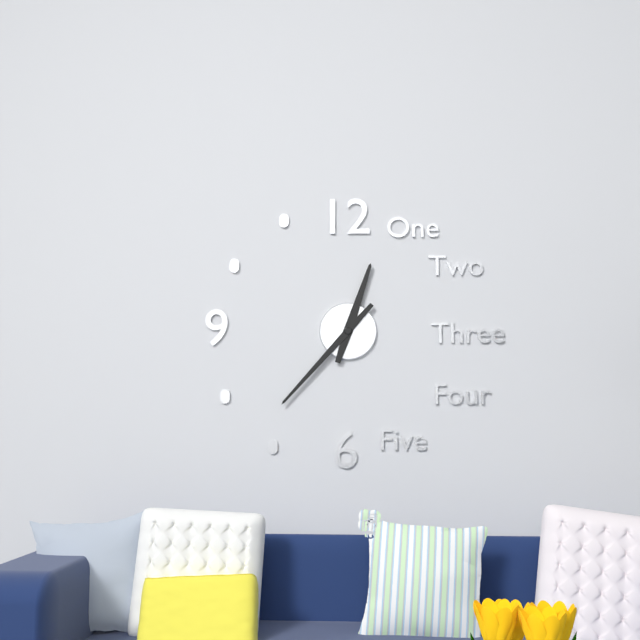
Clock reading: h=12 m=37
